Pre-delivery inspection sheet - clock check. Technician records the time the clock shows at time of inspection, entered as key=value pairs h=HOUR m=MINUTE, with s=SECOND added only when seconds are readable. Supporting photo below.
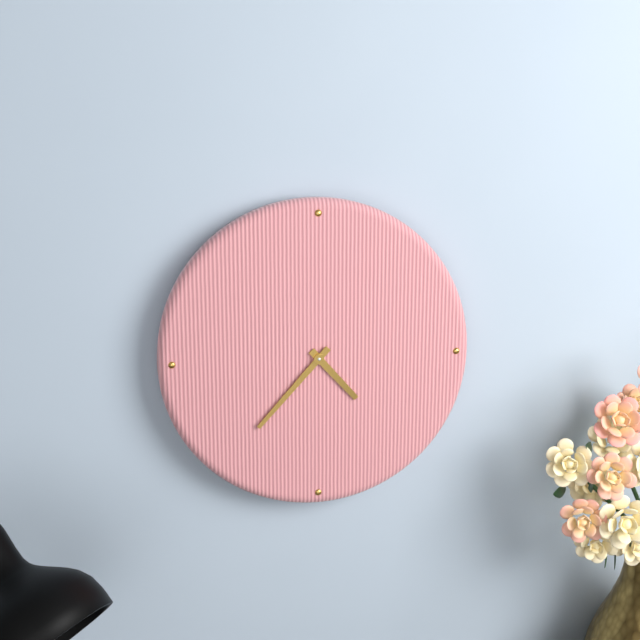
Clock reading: h=4 m=37
